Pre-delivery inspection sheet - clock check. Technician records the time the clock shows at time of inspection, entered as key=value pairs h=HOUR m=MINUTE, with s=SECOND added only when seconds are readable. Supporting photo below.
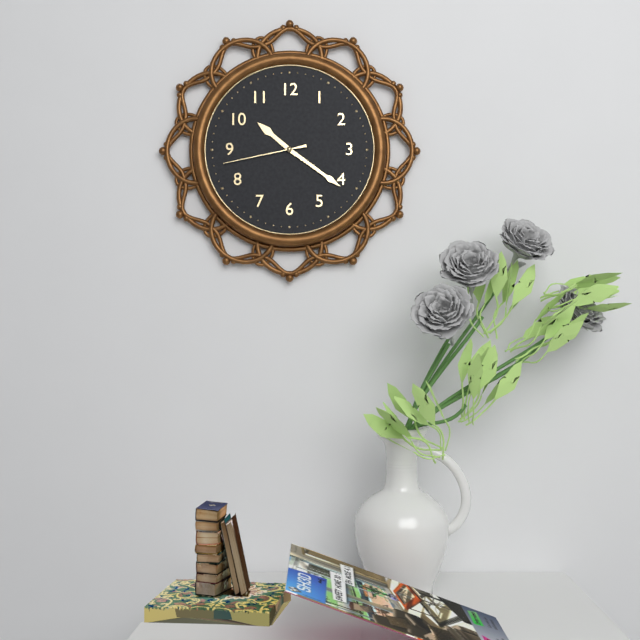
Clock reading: h=10 m=21 s=43
